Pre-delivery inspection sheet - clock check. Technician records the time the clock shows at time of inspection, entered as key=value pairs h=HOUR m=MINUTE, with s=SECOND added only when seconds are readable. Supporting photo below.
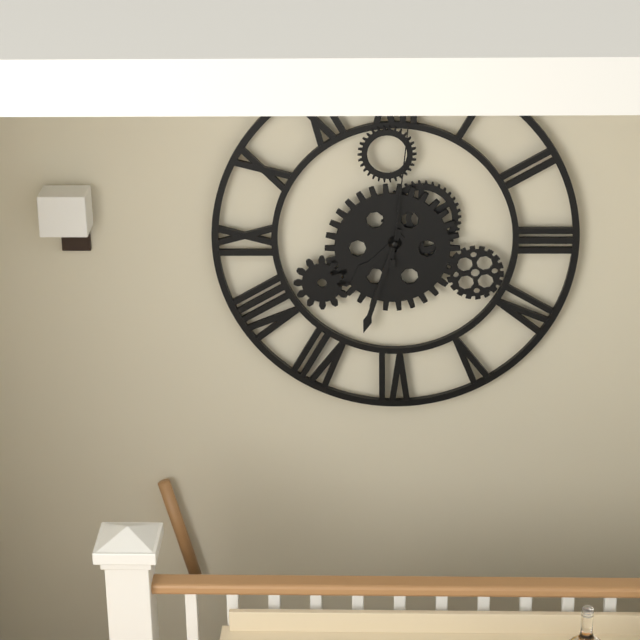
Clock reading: h=7 m=33 s=1
